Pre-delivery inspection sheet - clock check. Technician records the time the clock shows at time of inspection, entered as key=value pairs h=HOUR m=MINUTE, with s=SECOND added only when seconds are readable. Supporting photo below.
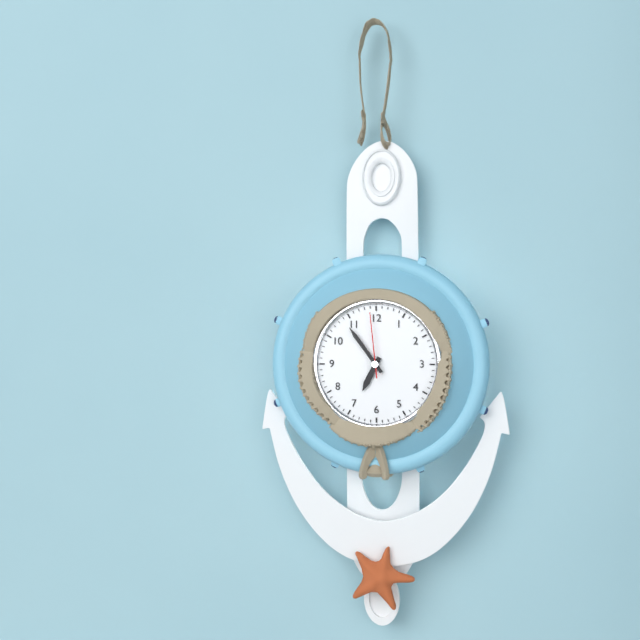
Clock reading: h=6 m=54 s=59
